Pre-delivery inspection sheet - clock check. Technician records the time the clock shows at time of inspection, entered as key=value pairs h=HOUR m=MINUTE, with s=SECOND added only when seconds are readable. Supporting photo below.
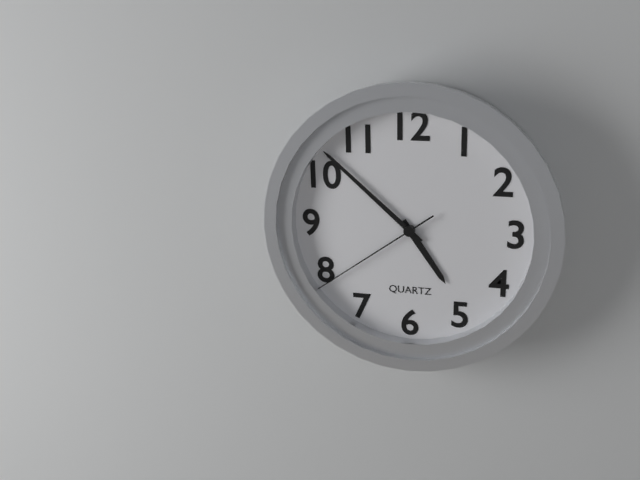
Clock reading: h=4 m=52 s=39
